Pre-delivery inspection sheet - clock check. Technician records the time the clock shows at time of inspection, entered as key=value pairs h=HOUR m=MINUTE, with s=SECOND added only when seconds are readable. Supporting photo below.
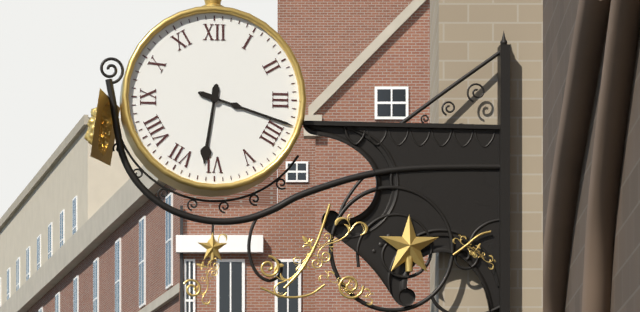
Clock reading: h=6 m=18
